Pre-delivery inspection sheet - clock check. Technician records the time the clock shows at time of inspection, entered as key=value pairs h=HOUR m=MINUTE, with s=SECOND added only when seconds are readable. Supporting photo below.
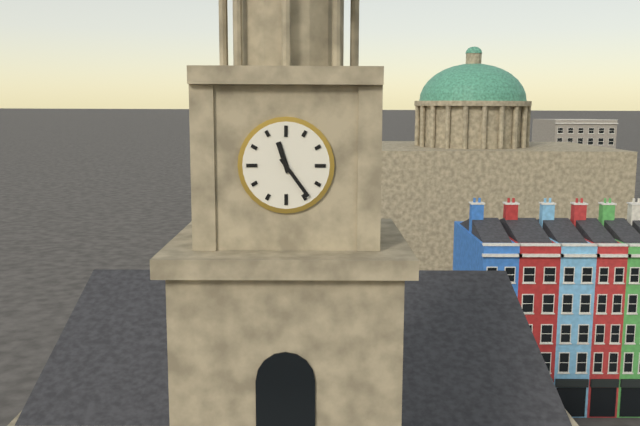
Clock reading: h=11 m=24
